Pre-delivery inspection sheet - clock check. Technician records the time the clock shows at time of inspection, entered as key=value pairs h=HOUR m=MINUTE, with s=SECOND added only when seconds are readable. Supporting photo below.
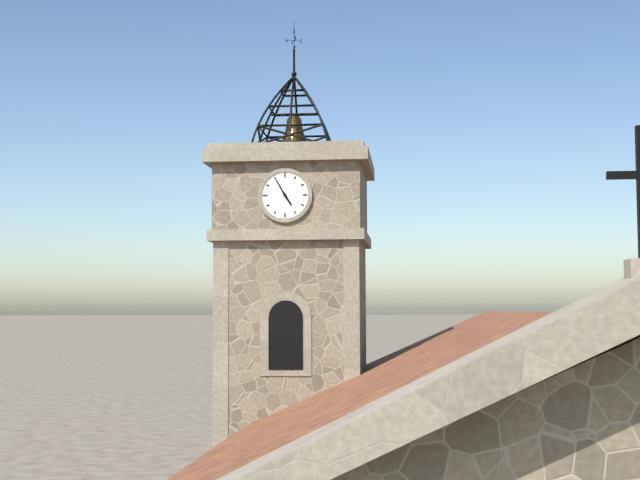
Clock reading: h=4 m=55
